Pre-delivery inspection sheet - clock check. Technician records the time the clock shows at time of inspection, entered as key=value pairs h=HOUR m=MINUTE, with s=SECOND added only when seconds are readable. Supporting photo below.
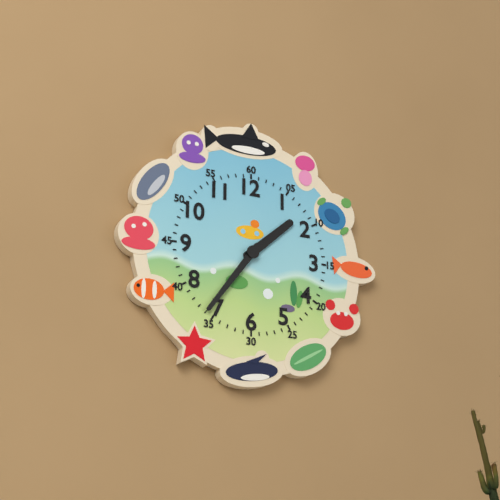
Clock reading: h=1 m=36
